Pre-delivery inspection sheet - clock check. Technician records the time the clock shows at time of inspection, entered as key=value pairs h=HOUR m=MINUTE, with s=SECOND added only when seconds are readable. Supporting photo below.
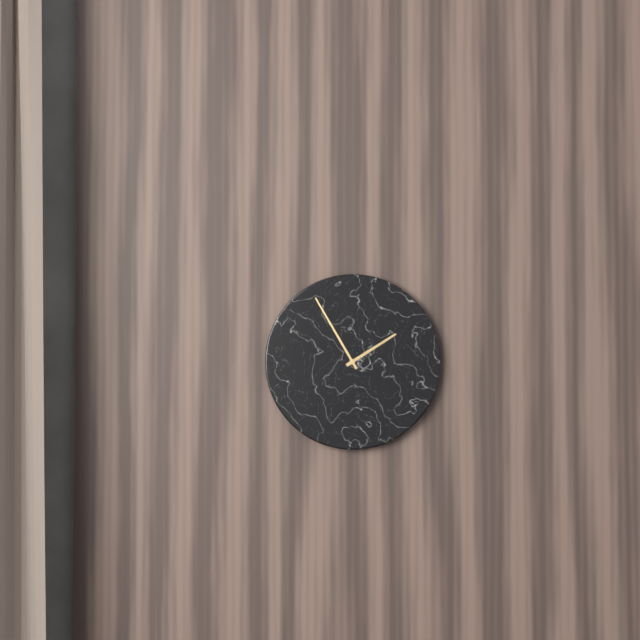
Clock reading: h=1 m=55
